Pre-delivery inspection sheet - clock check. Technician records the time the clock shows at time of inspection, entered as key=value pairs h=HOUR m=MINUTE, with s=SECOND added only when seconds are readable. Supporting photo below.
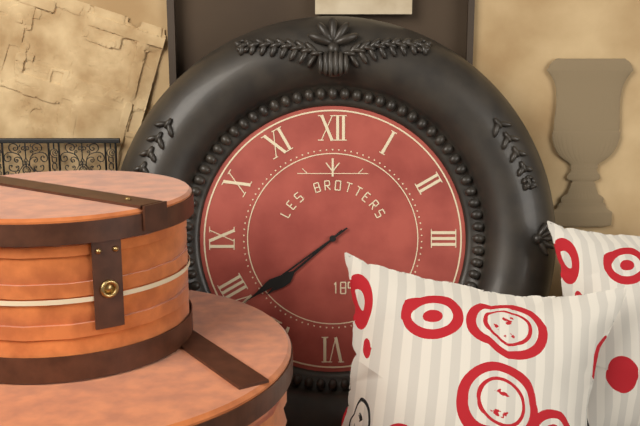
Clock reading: h=7 m=39
